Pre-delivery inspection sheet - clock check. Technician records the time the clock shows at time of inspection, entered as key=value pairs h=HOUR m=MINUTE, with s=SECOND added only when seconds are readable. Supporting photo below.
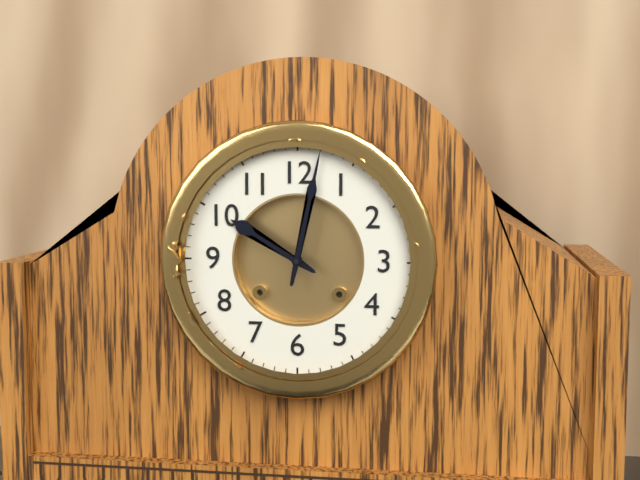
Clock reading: h=10 m=2
